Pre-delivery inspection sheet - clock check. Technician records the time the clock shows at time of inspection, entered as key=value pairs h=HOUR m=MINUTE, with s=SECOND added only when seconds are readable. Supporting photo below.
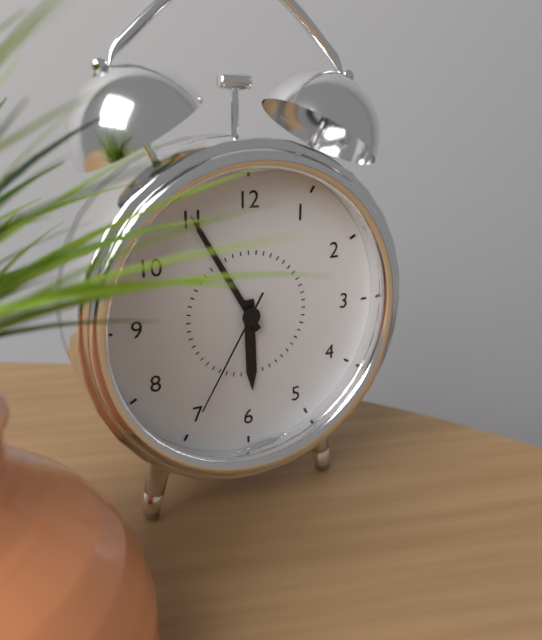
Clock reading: h=5 m=55 s=35
